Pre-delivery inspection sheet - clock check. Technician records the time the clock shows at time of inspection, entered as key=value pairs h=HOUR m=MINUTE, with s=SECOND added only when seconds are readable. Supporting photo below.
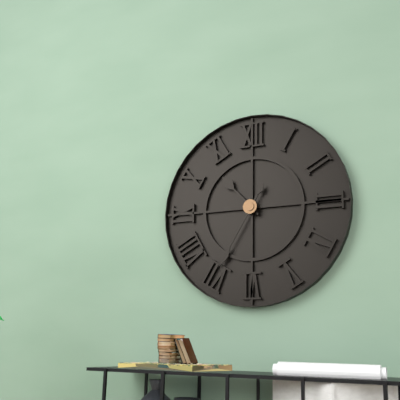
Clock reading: h=10 m=35
